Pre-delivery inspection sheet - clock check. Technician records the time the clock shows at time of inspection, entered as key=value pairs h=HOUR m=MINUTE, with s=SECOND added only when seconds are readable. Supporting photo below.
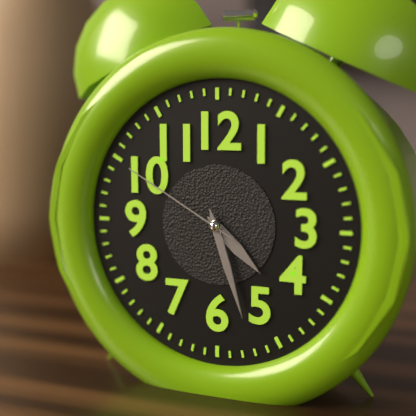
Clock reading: h=4 m=27 s=50
